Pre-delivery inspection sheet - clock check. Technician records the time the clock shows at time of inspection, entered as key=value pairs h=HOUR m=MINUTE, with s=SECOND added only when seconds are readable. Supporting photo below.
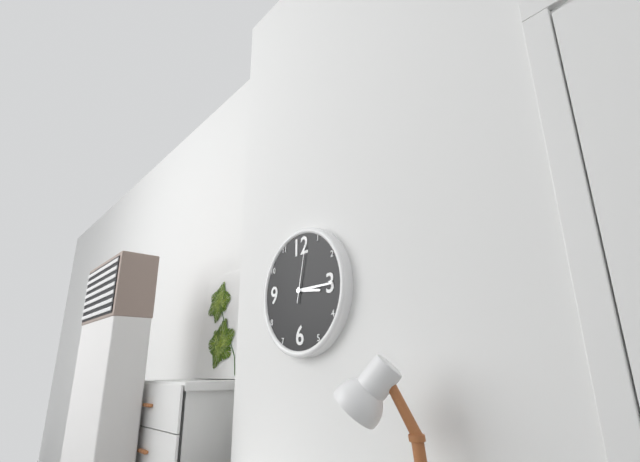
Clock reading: h=3 m=15 s=2
